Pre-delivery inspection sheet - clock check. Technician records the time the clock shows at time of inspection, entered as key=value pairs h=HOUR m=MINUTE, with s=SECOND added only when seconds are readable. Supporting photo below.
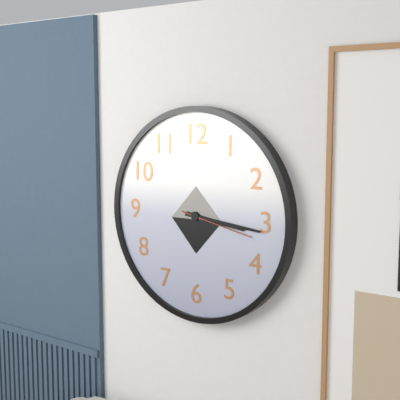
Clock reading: h=3 m=16 s=17
